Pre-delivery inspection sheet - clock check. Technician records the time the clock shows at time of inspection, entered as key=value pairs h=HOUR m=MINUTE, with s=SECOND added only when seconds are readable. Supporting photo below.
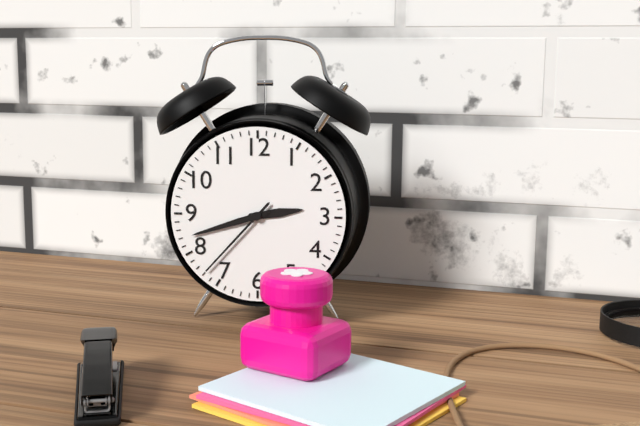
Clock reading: h=2 m=42 s=37
